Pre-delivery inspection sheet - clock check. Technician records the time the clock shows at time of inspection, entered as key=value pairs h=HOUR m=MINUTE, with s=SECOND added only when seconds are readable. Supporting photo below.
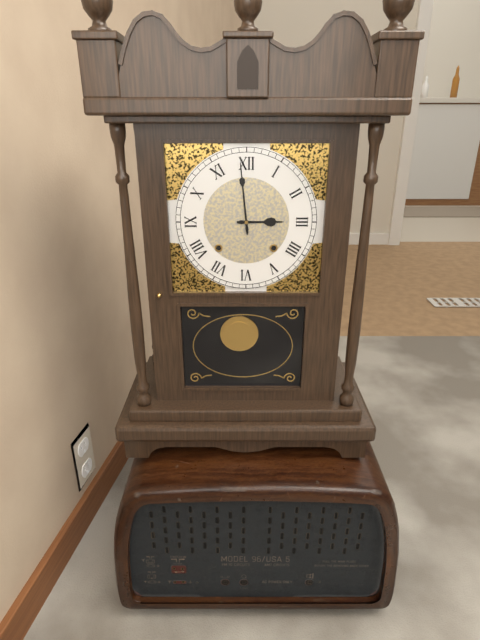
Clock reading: h=2 m=59
